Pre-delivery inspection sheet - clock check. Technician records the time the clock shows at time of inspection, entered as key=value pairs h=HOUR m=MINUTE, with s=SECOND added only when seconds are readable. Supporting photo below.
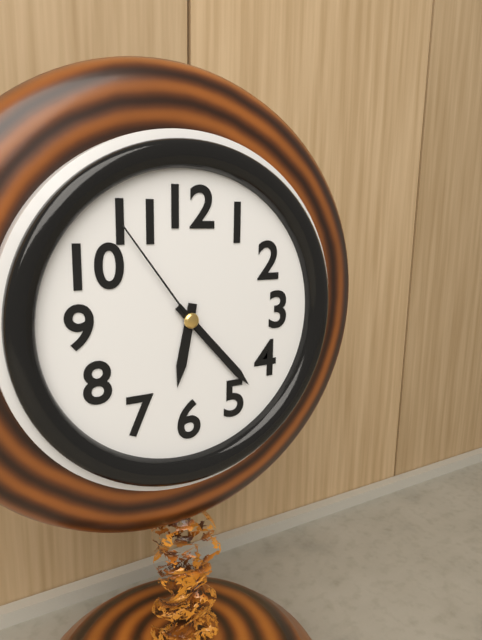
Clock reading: h=6 m=23 s=54
